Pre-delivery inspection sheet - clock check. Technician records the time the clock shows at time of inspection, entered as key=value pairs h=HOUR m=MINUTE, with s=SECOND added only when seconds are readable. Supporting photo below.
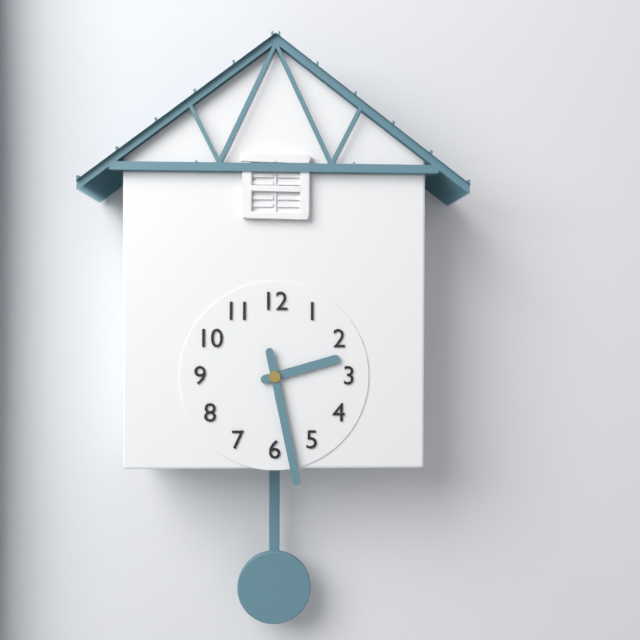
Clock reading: h=2 m=28
